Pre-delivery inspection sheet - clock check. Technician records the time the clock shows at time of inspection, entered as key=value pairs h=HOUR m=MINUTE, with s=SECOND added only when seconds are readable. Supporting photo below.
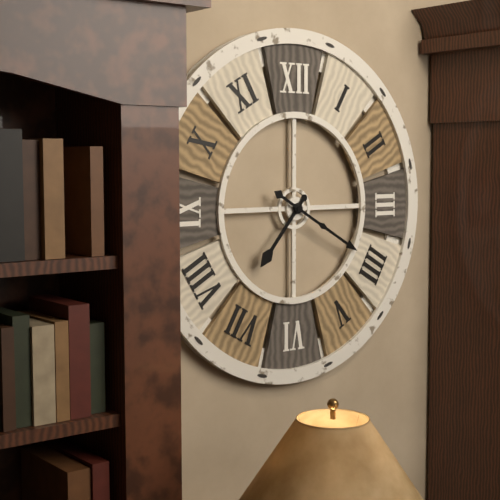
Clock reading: h=7 m=20
